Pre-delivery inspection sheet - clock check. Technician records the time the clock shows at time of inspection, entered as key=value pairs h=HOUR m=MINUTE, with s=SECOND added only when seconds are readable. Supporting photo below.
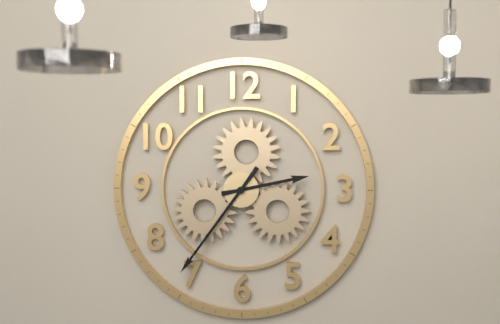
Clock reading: h=2 m=36
